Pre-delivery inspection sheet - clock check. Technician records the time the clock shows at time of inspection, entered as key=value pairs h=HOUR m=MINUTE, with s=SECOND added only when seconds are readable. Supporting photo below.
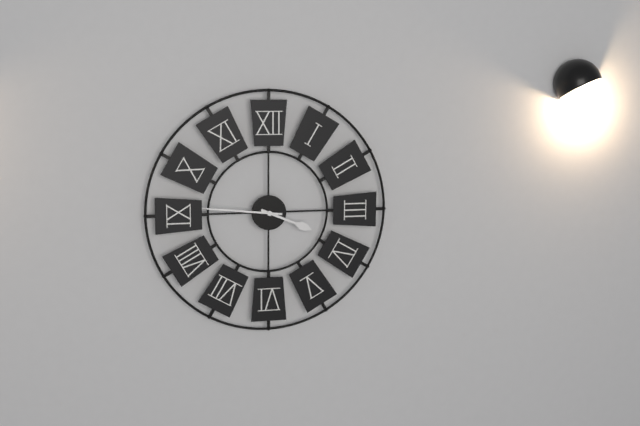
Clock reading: h=3 m=46
